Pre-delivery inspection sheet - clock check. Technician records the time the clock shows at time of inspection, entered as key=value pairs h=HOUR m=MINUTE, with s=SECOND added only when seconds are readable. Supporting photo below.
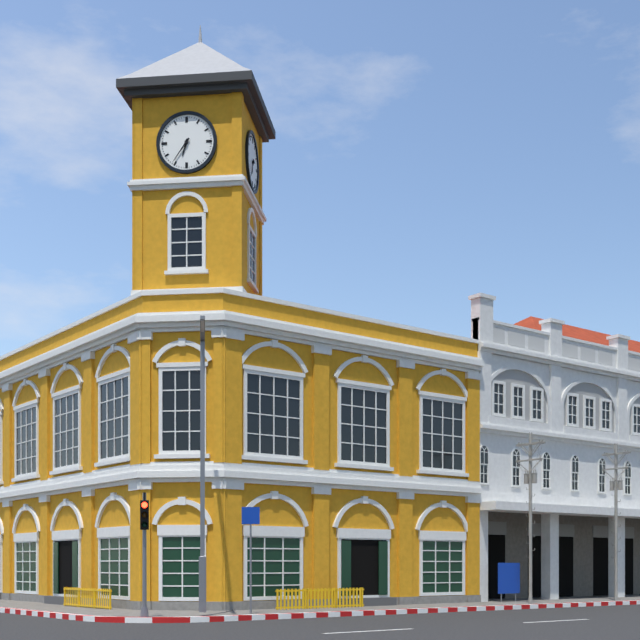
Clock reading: h=6 m=36
